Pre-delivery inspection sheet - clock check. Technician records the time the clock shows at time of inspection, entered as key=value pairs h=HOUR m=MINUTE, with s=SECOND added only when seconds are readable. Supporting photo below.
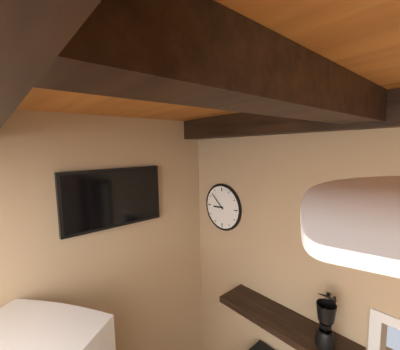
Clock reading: h=8 m=52
